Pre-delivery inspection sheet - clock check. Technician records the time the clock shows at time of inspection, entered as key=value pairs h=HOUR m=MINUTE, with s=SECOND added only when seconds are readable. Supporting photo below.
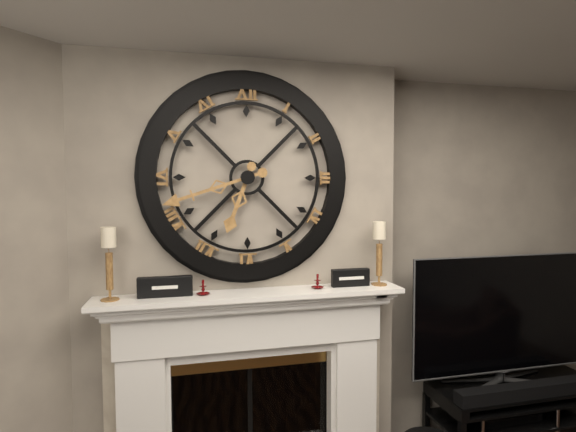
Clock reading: h=6 m=42
